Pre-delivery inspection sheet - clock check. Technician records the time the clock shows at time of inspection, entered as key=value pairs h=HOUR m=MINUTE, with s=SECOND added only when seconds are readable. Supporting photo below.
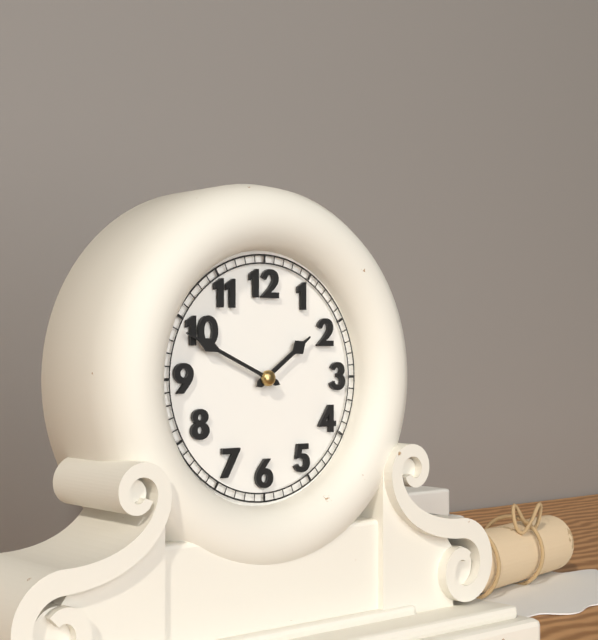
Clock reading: h=1 m=49
